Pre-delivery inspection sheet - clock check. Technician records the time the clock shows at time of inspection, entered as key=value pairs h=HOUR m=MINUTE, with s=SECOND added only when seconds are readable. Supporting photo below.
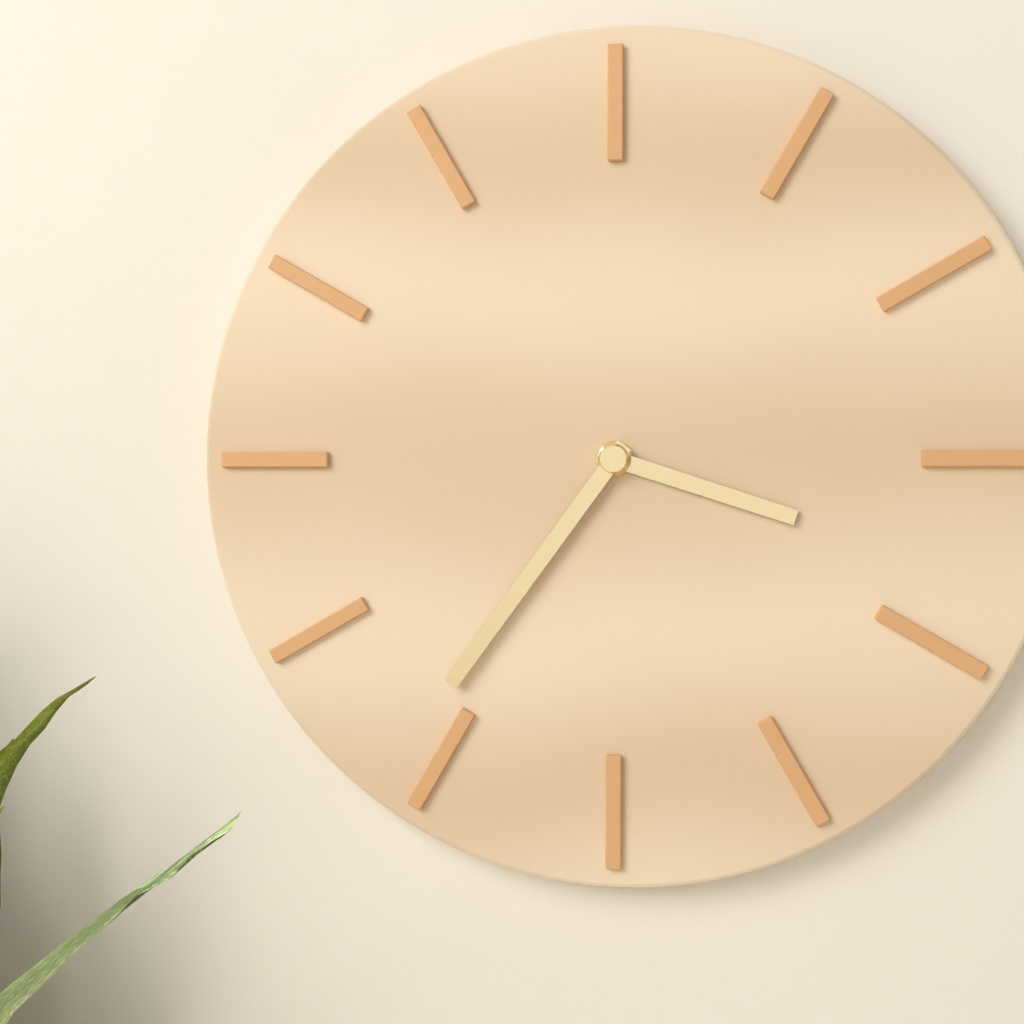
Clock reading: h=3 m=36
